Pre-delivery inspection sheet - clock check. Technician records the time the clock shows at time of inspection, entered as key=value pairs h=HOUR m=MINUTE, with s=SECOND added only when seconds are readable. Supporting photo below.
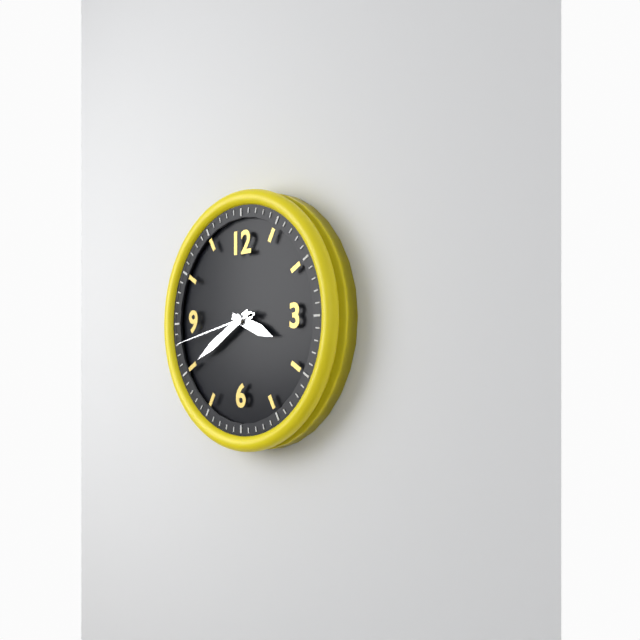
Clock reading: h=3 m=40 s=43
